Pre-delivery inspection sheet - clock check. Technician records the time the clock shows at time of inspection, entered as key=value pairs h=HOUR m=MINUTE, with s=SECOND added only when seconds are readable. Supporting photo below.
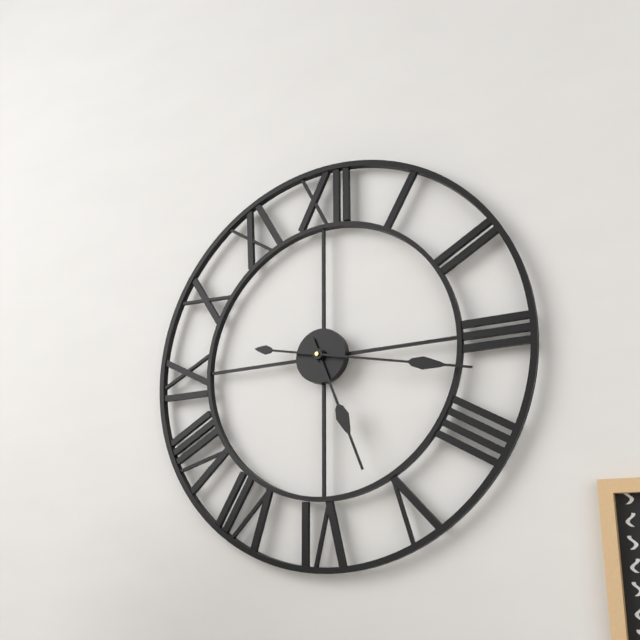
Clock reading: h=5 m=17
